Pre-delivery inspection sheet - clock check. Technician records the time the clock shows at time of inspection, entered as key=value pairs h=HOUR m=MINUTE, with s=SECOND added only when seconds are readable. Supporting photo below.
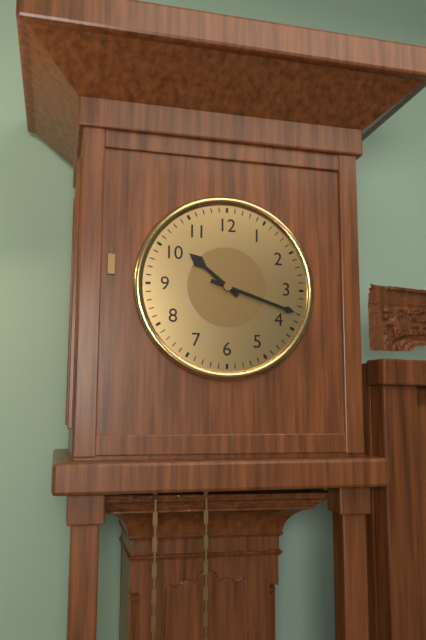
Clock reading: h=10 m=18
